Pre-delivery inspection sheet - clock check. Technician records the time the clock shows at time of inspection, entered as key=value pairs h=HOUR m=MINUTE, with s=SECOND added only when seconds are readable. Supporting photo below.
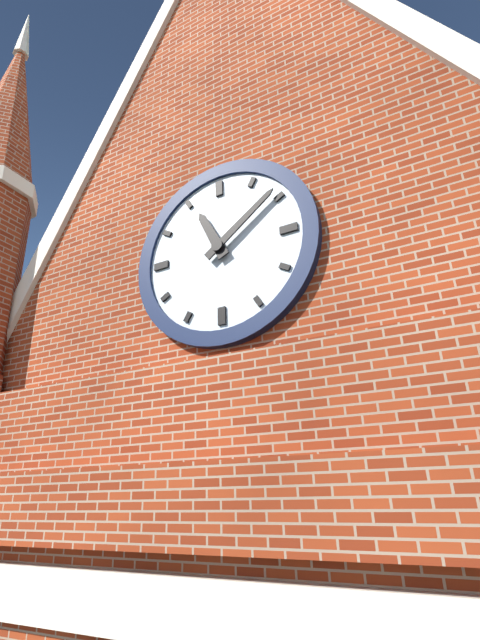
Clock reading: h=11 m=9
